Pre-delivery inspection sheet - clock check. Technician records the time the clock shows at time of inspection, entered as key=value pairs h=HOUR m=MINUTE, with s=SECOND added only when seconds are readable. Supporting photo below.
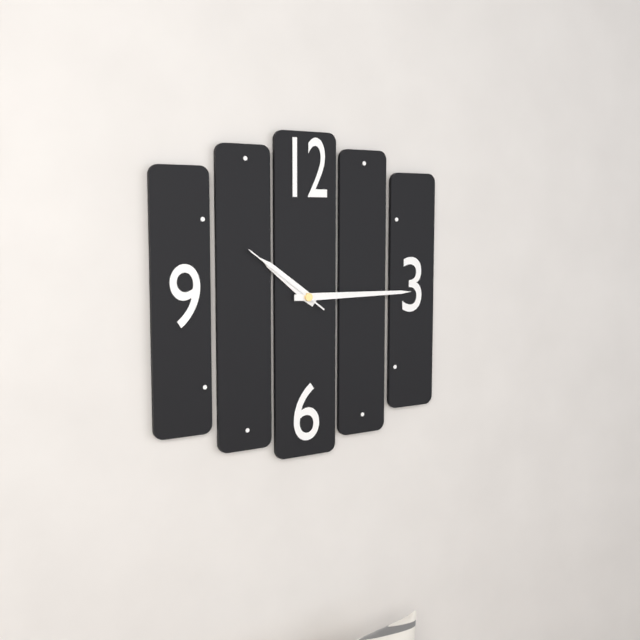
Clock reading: h=10 m=15 s=51
